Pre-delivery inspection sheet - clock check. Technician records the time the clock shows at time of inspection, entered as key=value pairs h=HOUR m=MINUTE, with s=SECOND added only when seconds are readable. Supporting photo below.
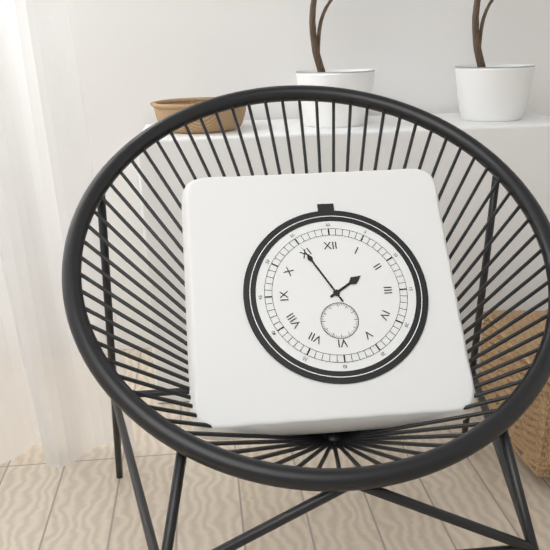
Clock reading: h=1 m=55
